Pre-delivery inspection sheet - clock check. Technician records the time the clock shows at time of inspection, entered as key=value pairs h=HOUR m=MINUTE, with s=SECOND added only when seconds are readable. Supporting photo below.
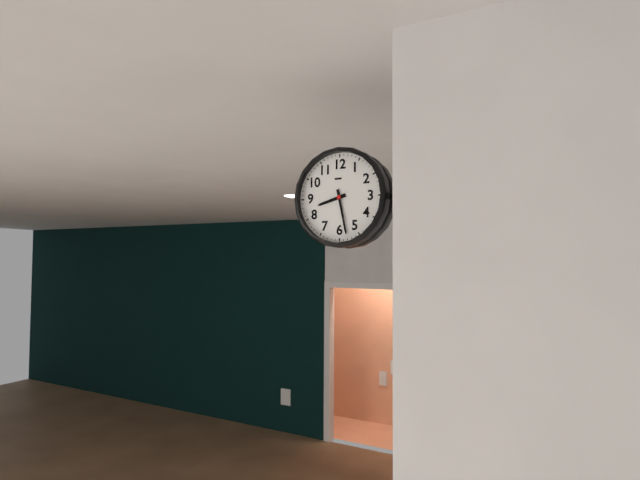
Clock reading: h=8 m=28
